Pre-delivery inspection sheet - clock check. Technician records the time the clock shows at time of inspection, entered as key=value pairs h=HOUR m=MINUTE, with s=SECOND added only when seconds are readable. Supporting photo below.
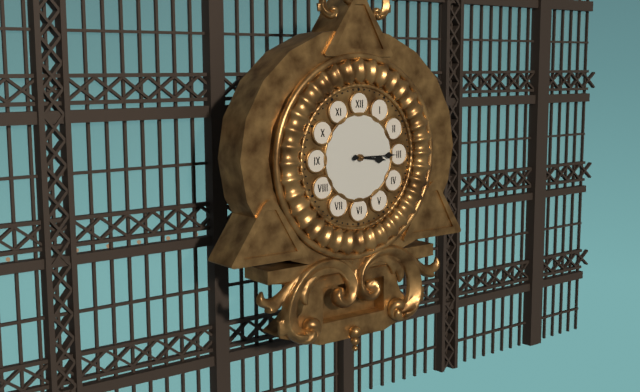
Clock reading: h=3 m=15
